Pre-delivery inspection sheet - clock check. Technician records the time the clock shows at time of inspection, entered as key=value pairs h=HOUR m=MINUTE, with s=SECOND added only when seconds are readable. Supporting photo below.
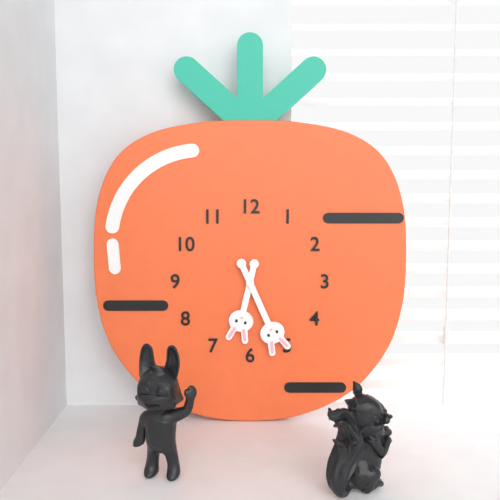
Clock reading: h=6 m=26
